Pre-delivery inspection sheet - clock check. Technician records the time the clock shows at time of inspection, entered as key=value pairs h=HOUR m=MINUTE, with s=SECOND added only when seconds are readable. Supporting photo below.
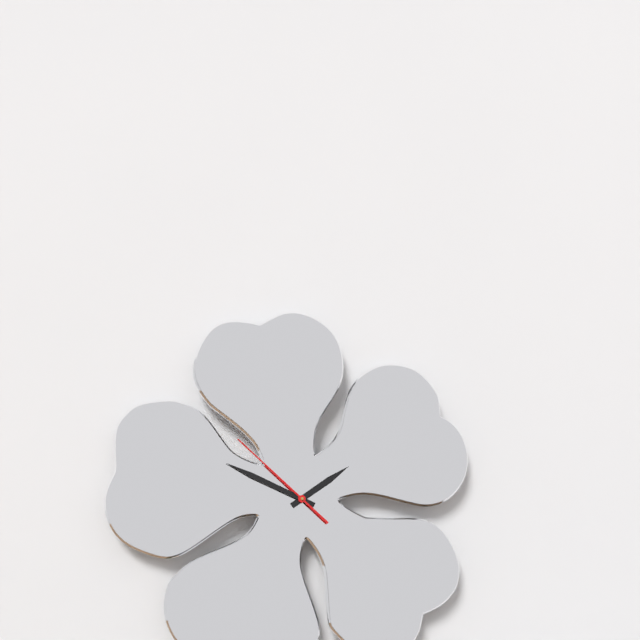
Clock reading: h=1 m=49 s=52
